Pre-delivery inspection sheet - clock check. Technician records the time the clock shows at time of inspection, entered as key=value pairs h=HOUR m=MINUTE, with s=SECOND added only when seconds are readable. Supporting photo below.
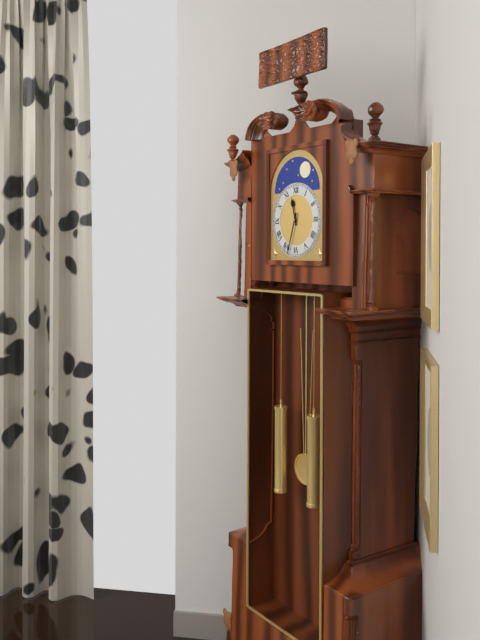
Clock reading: h=11 m=33
